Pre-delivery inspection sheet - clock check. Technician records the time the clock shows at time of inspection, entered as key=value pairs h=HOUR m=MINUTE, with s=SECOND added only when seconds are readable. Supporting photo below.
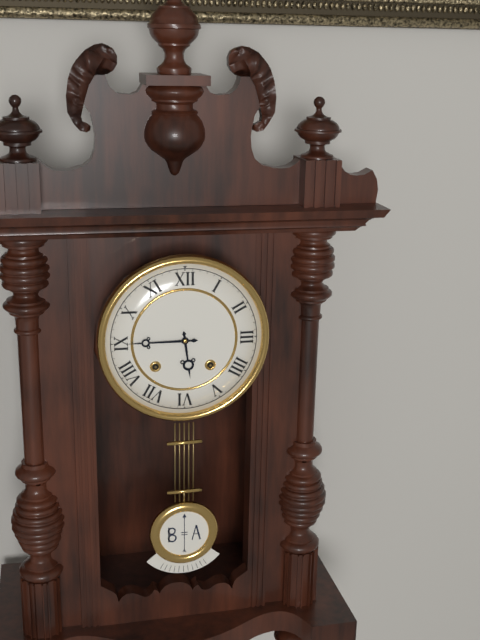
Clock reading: h=5 m=45
